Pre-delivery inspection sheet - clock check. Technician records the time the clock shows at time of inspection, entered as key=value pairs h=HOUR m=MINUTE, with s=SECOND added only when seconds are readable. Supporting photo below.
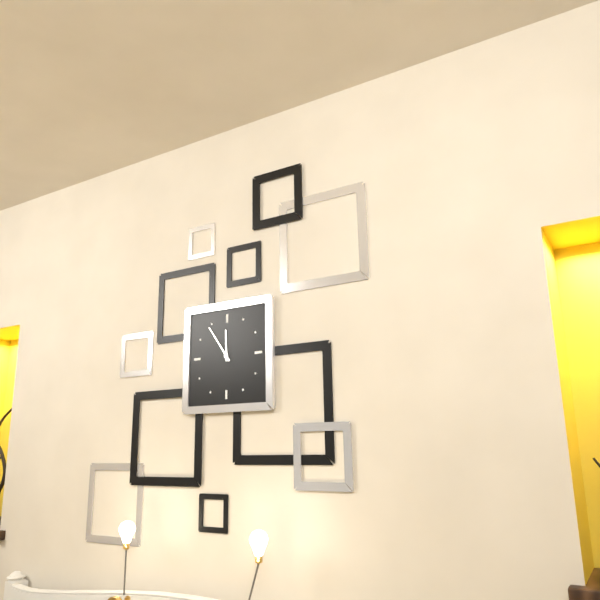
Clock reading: h=11 m=54
